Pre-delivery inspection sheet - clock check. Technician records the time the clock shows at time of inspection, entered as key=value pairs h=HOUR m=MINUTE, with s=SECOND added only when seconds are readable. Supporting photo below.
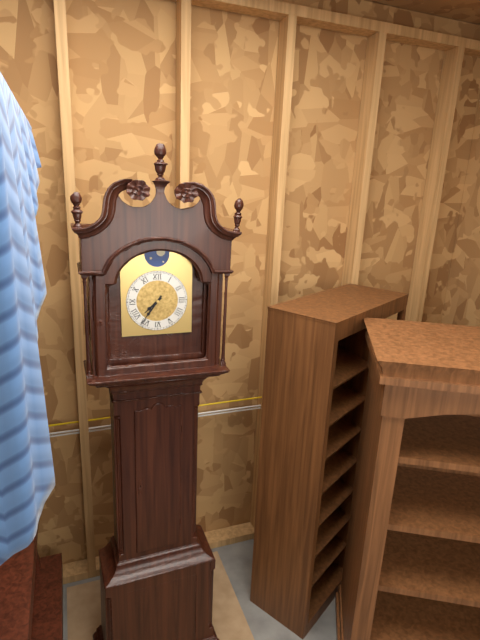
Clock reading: h=7 m=36
